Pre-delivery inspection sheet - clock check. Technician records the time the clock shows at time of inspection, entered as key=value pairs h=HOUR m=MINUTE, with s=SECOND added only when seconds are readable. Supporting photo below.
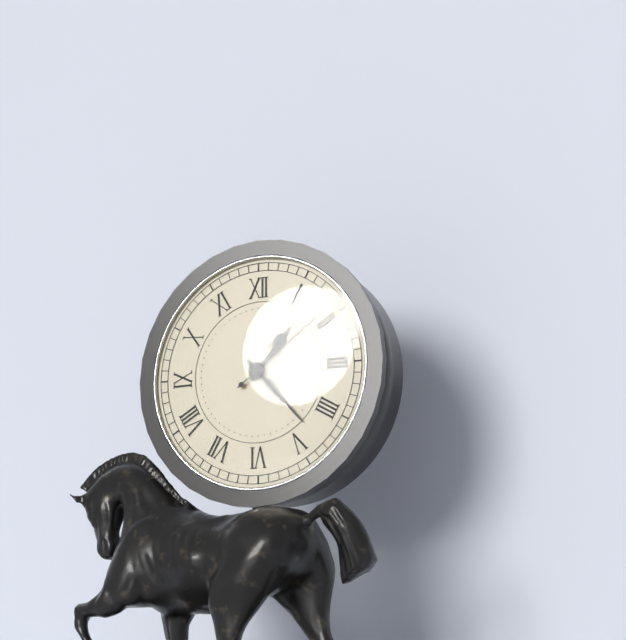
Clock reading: h=1 m=23 s=9
